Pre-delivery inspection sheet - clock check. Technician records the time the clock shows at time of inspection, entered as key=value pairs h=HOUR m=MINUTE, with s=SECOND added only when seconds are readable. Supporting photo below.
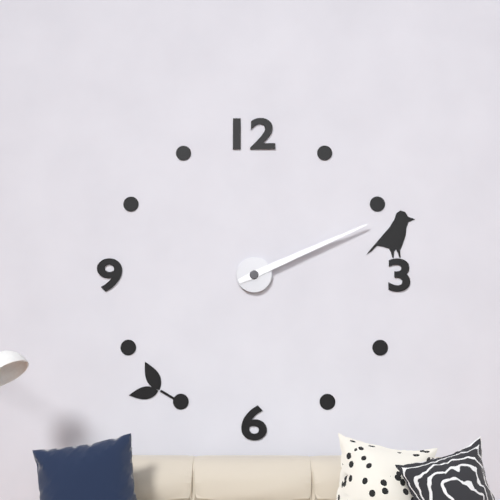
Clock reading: h=2 m=11
